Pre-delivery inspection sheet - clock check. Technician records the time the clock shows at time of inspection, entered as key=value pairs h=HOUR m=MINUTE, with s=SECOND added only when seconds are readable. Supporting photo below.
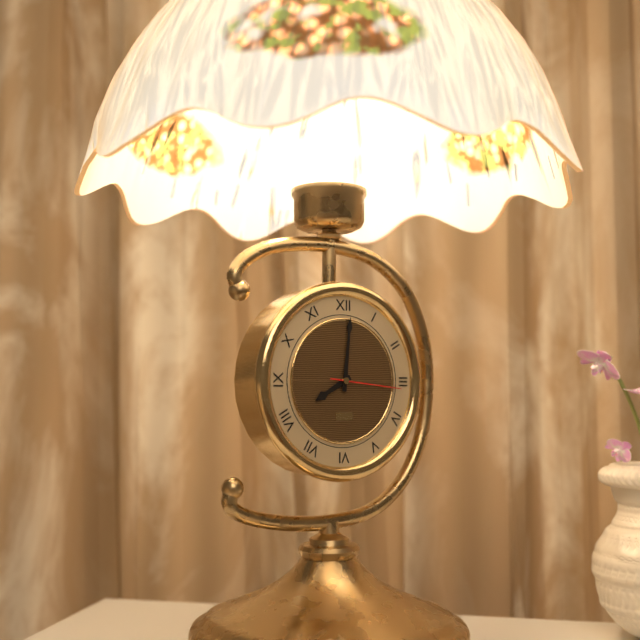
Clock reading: h=8 m=1 s=16
